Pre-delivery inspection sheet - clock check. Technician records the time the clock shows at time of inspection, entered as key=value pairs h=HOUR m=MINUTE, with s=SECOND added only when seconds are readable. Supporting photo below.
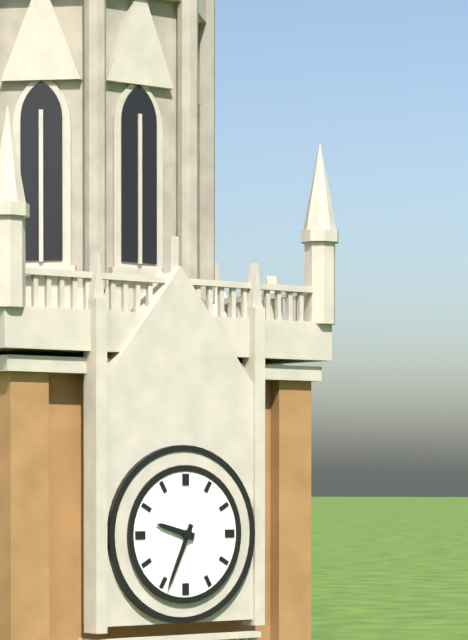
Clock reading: h=9 m=34
